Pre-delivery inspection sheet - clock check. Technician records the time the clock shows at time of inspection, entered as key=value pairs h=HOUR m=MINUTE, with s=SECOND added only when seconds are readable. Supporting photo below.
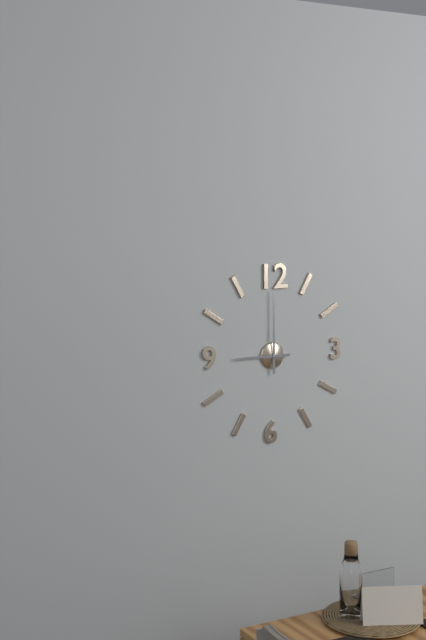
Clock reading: h=9 m=0
